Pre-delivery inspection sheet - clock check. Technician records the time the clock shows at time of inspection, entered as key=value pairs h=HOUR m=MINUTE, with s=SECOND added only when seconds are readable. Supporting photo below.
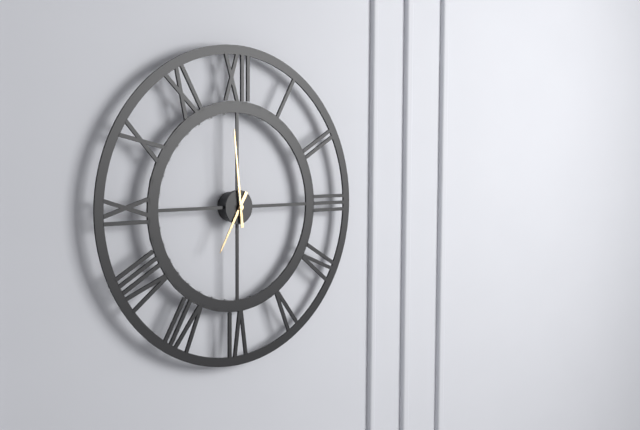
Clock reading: h=6 m=59
